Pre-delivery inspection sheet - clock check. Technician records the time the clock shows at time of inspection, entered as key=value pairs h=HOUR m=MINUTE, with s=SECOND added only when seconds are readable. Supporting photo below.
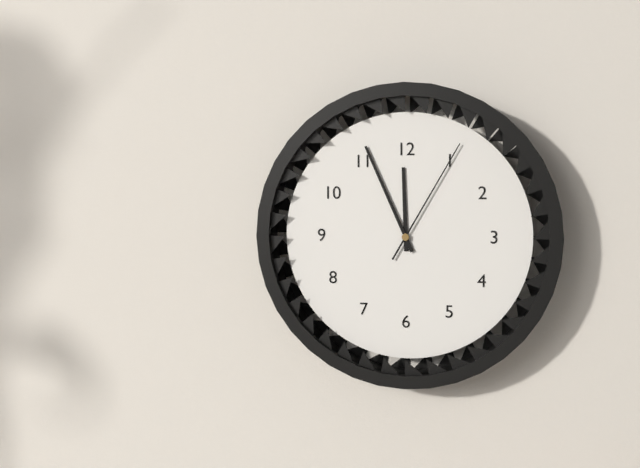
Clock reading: h=11 m=56 s=5
